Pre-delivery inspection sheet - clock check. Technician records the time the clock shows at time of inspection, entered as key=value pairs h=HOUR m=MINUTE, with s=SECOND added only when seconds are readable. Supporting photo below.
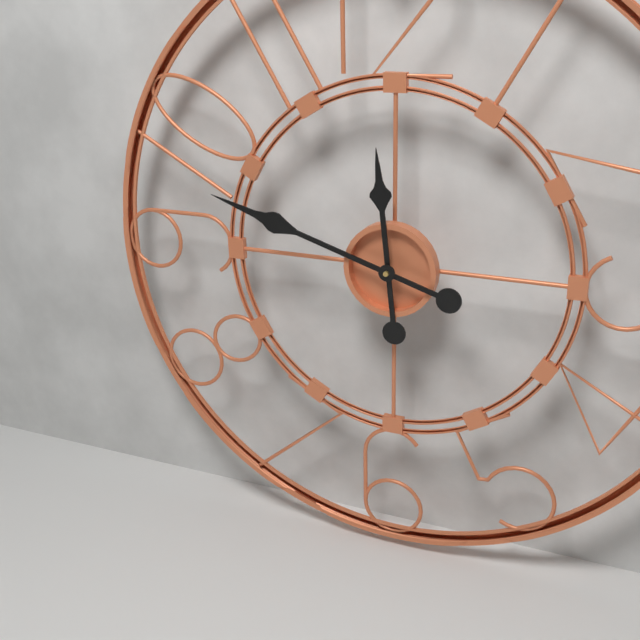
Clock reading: h=11 m=48
